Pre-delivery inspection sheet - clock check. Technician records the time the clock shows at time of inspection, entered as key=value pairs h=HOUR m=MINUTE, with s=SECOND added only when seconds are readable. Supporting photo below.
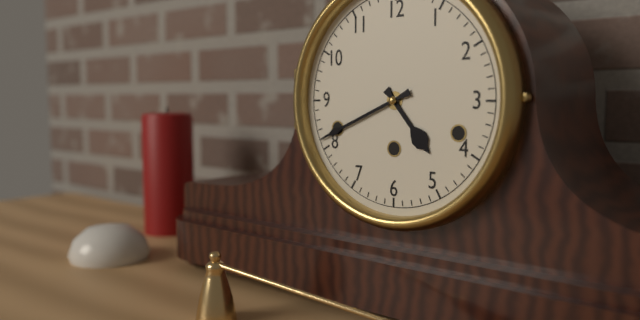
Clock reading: h=4 m=41
